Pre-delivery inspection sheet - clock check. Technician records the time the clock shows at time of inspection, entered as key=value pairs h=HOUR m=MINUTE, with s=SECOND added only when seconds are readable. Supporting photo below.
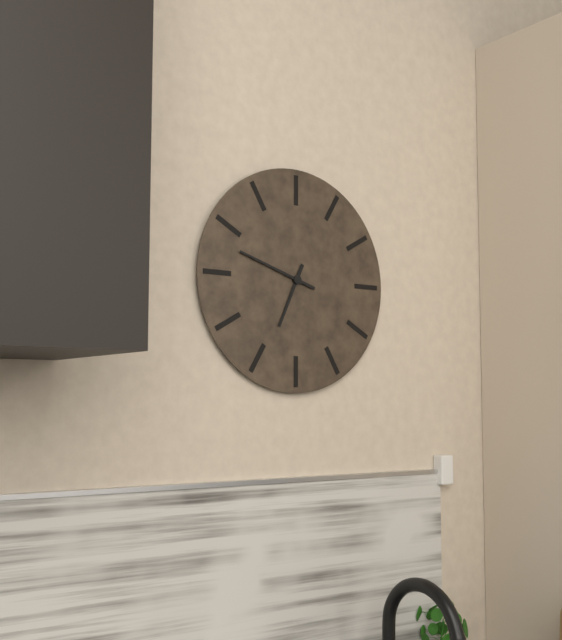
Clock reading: h=6 m=48
